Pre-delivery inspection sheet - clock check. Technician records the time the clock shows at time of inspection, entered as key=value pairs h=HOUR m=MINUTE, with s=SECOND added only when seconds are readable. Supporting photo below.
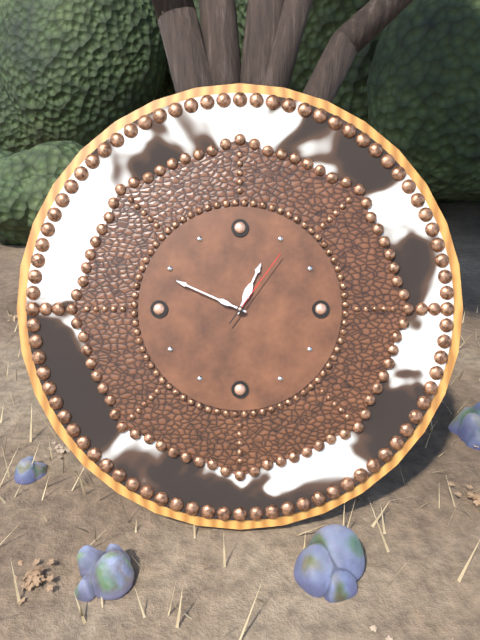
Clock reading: h=12 m=49 s=6
